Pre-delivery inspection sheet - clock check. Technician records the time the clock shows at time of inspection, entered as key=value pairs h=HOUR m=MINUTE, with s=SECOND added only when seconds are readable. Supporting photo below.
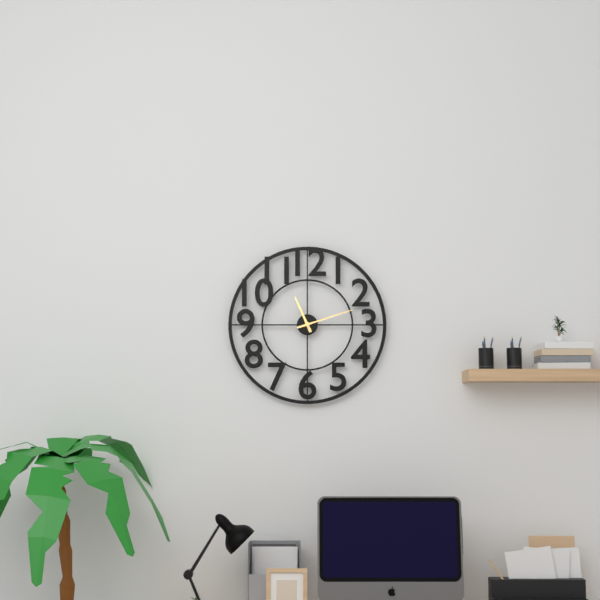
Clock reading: h=11 m=12
